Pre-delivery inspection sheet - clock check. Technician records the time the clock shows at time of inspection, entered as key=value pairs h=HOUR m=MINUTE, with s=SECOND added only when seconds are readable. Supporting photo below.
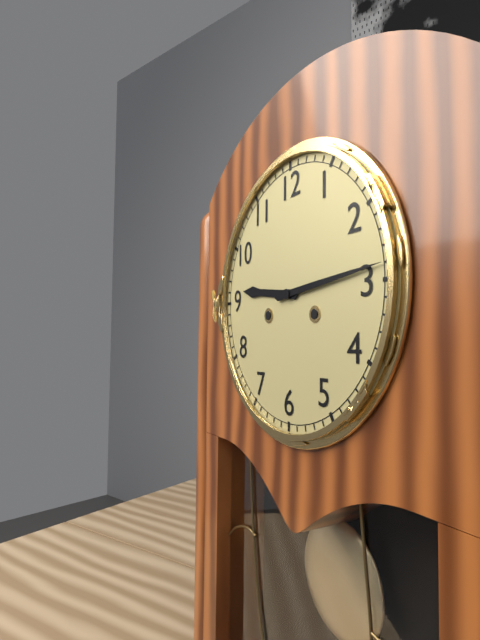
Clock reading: h=9 m=14
